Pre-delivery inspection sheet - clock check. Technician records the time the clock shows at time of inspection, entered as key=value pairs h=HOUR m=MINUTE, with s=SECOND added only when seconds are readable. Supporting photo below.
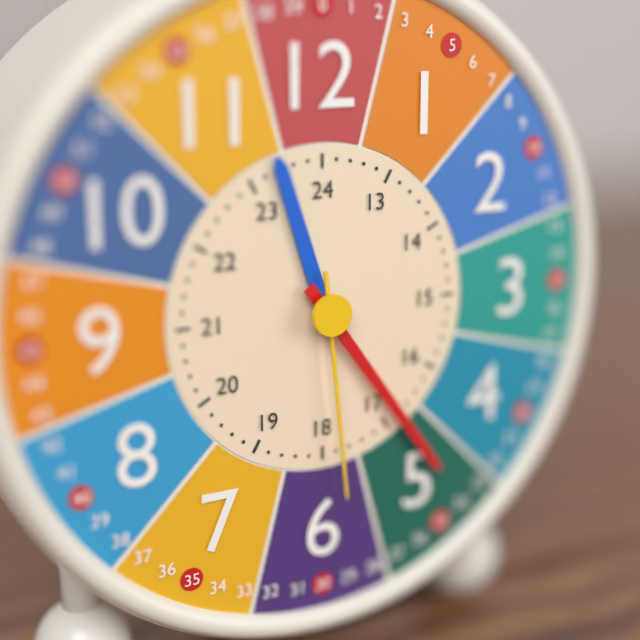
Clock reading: h=11 m=24 s=29
